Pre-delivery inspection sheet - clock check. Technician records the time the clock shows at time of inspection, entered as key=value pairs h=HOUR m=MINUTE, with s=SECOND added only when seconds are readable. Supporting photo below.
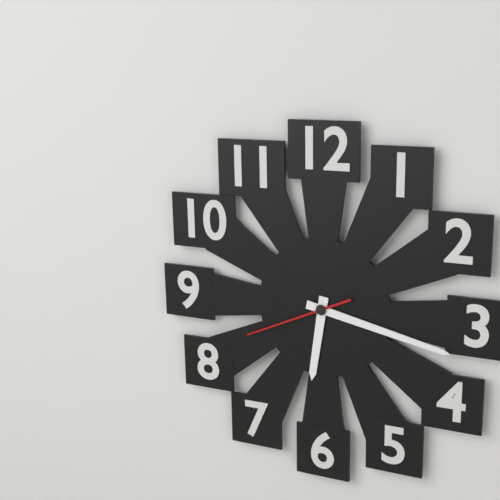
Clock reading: h=6 m=17 s=41
